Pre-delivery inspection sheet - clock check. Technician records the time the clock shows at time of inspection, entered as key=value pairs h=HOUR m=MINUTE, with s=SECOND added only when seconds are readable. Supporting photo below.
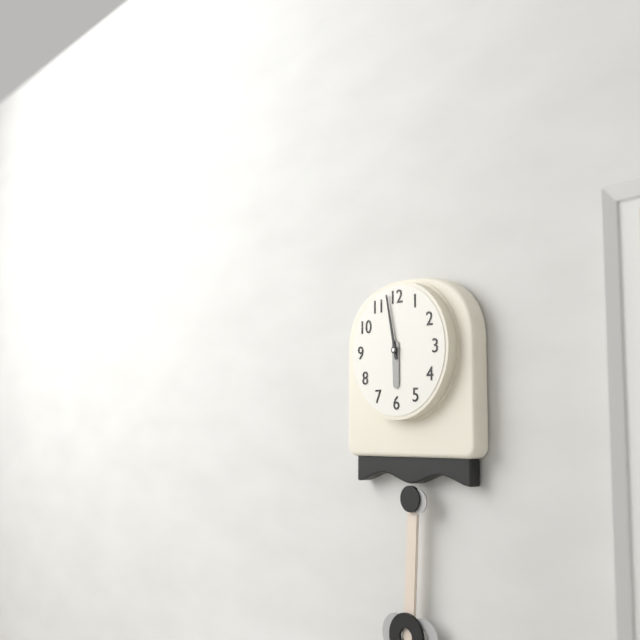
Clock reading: h=5 m=58
